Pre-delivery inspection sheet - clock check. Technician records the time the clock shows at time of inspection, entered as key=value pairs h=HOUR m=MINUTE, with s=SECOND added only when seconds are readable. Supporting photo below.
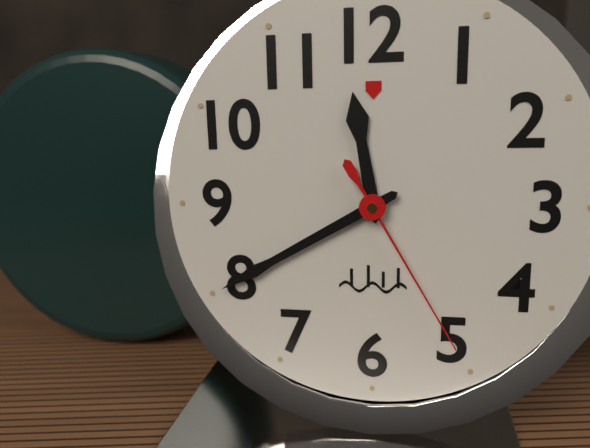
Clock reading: h=11 m=40 s=25
